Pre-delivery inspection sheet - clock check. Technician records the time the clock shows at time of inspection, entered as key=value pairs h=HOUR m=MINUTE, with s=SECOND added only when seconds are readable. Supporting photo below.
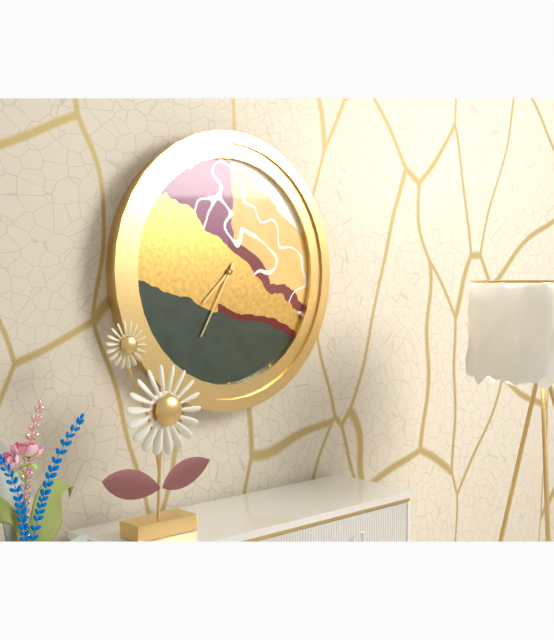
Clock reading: h=7 m=35
